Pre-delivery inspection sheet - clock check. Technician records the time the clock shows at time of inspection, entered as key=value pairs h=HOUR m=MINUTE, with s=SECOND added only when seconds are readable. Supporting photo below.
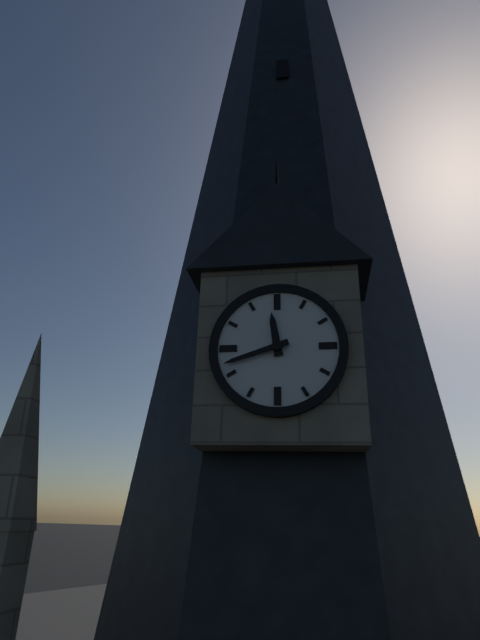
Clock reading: h=11 m=42
